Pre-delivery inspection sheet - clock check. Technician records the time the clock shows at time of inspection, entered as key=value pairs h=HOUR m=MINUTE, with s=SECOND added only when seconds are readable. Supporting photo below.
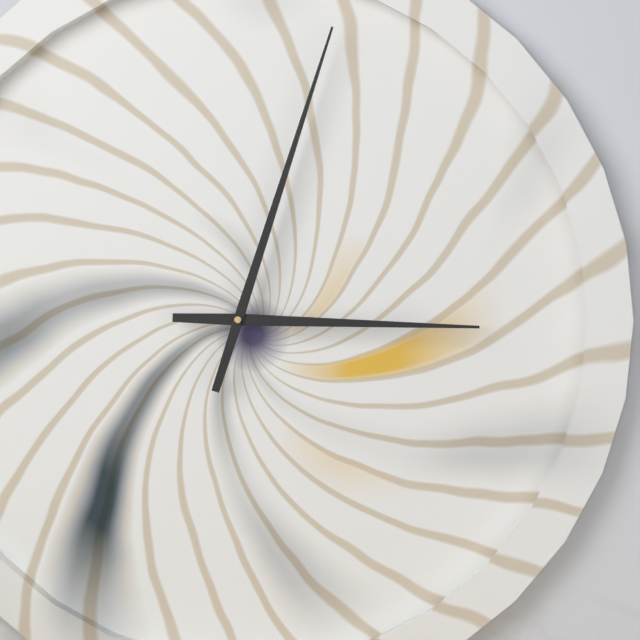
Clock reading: h=3 m=3
